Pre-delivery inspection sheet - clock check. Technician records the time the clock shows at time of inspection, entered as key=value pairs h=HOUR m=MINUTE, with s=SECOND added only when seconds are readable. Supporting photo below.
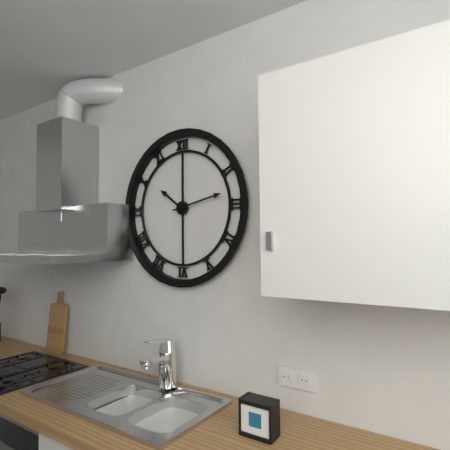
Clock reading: h=10 m=13
